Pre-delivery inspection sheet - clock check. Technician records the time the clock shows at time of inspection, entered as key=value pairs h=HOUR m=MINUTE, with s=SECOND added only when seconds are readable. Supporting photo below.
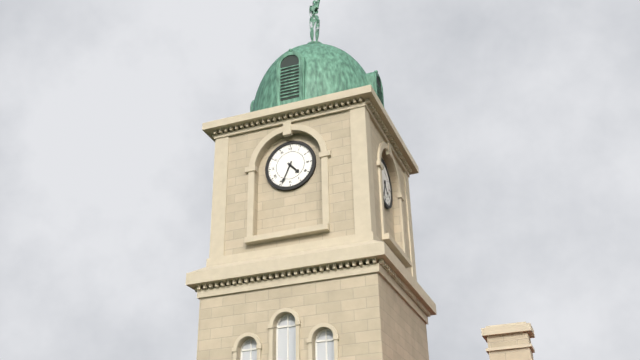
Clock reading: h=4 m=34
